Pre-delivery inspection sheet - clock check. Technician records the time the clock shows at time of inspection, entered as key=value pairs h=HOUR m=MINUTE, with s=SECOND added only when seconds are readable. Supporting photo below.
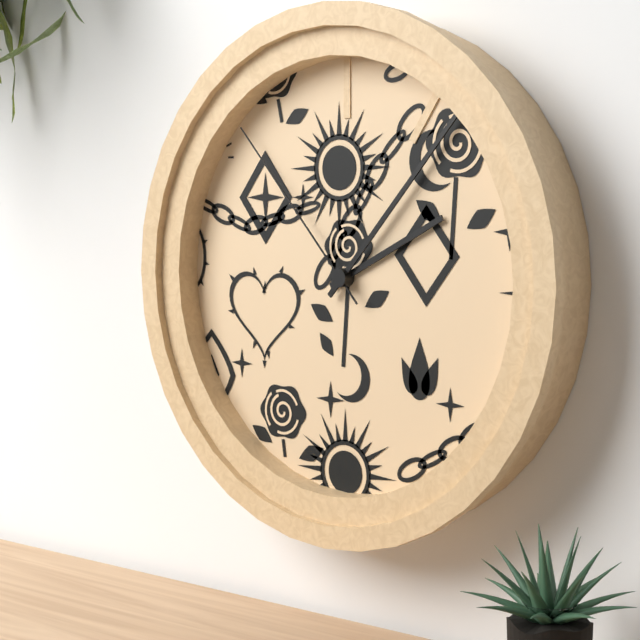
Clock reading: h=2 m=7 s=53
